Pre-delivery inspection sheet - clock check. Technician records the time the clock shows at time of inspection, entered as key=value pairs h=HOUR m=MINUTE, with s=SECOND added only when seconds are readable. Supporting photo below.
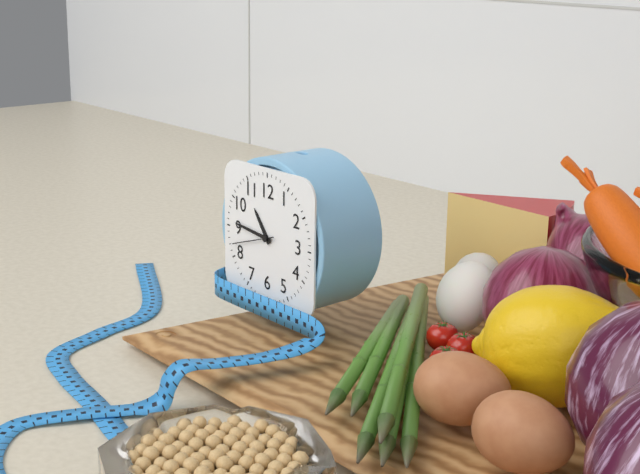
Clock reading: h=10 m=46
